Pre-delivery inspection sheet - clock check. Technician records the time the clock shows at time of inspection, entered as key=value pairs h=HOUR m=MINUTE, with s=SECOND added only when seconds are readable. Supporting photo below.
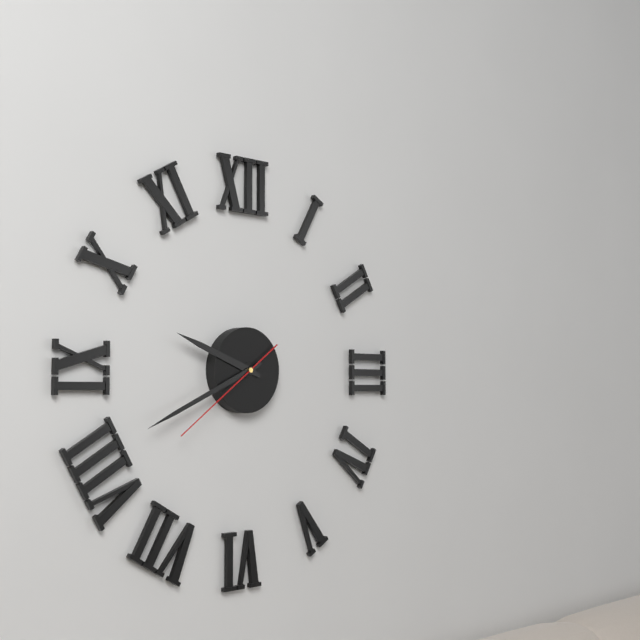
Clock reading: h=9 m=41 s=39
